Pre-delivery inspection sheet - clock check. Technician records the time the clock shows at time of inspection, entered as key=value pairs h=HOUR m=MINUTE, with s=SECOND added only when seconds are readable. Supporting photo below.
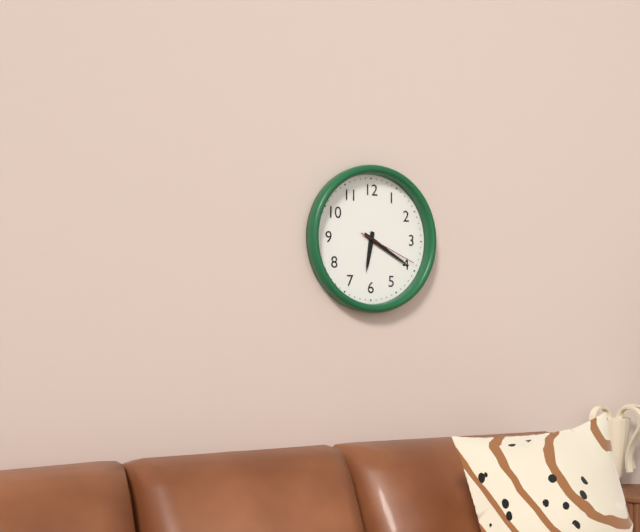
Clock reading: h=6 m=20 s=19
